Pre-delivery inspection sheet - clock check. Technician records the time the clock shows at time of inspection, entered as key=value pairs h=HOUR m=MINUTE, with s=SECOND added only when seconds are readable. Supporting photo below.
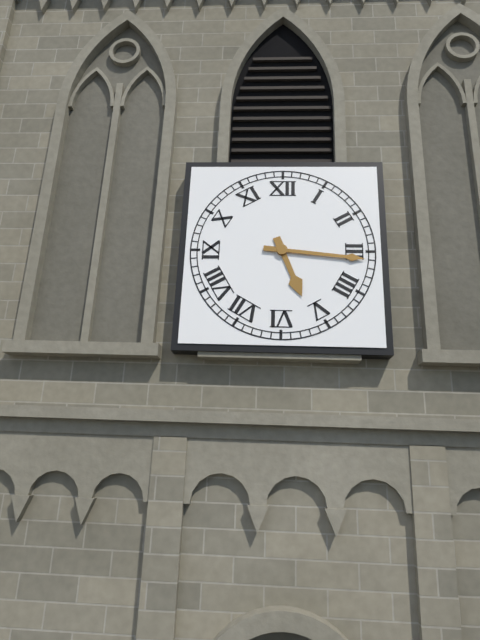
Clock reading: h=5 m=16
